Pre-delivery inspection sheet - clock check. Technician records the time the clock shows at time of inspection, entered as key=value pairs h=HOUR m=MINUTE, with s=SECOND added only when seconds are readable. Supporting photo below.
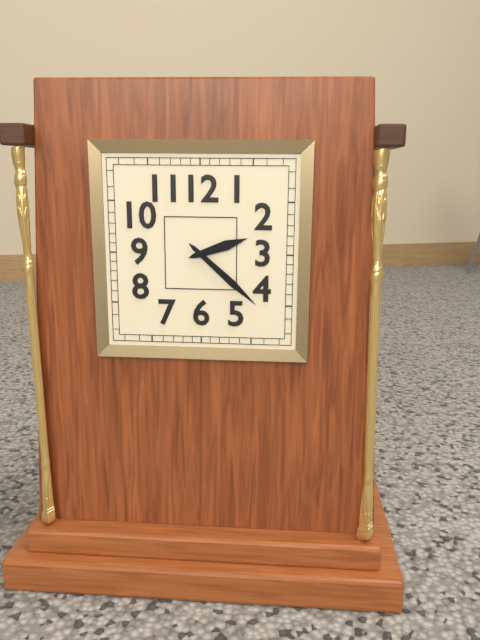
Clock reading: h=2 m=22
